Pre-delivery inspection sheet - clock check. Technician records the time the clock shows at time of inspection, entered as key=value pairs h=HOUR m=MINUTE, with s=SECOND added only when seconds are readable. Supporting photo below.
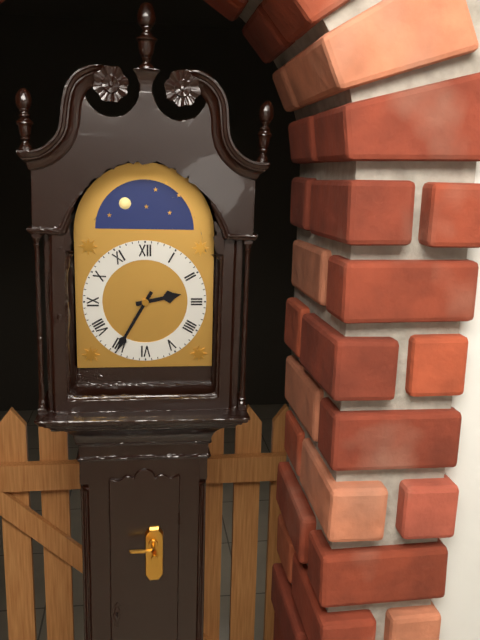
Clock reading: h=2 m=35
